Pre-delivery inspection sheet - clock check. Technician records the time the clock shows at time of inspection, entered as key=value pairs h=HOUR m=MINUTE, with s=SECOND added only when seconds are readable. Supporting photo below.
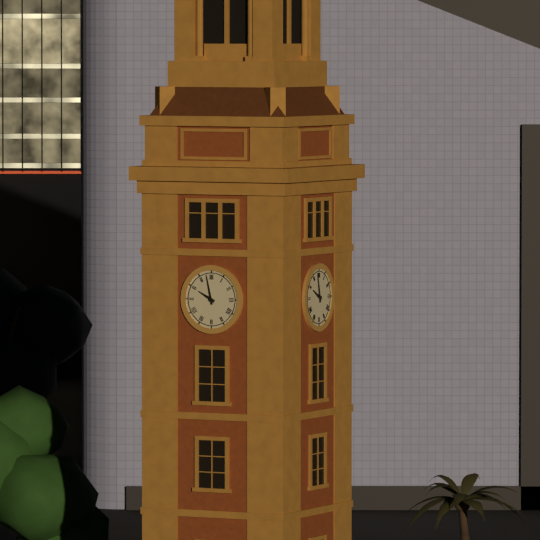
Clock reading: h=9 m=58
